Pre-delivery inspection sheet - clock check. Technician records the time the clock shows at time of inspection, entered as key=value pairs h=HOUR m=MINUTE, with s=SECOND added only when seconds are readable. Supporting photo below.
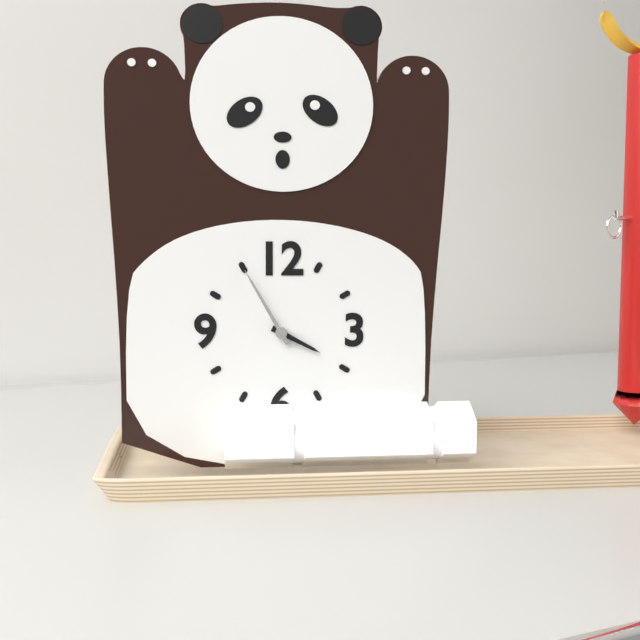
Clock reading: h=3 m=55
